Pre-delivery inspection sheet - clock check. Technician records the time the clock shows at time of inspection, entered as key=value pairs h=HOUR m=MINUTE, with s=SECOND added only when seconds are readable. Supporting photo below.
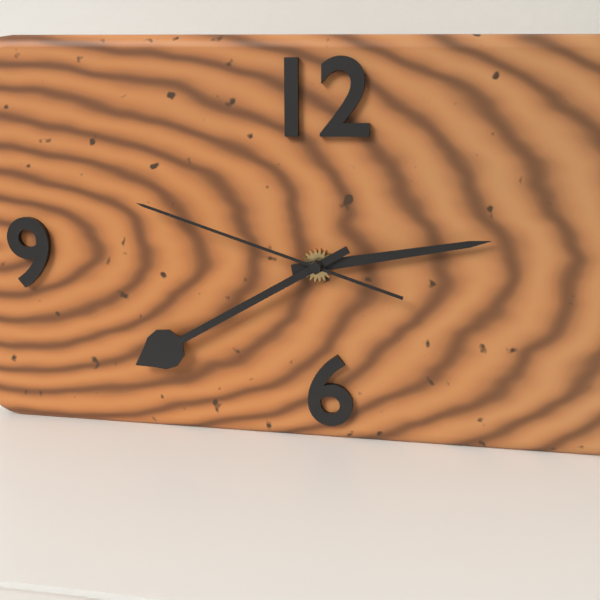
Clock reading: h=2 m=40 s=48
